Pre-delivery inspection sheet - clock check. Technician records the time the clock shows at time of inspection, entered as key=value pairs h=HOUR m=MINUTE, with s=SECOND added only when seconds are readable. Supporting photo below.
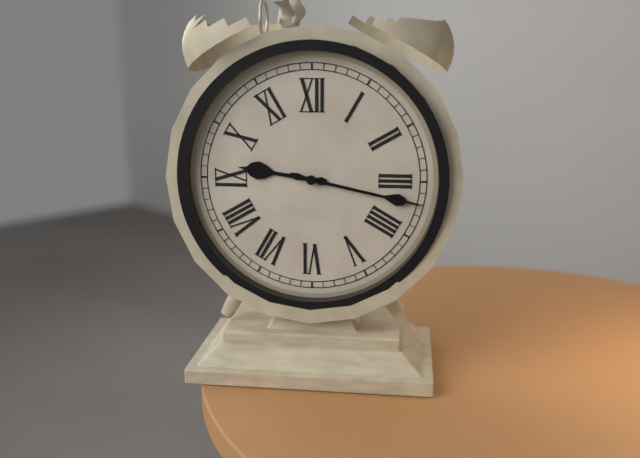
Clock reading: h=9 m=17
